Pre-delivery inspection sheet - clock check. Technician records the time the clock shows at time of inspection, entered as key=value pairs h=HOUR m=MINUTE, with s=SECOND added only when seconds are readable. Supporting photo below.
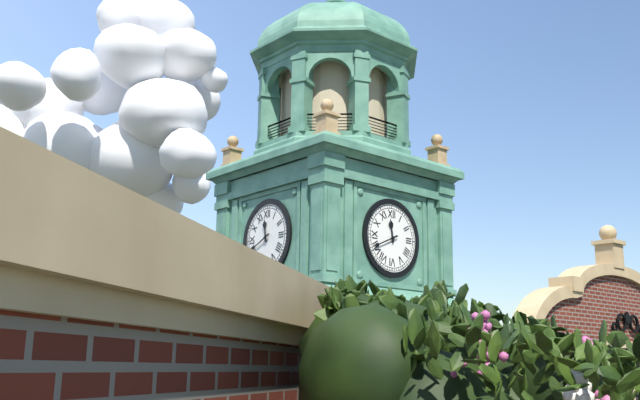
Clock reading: h=11 m=41
